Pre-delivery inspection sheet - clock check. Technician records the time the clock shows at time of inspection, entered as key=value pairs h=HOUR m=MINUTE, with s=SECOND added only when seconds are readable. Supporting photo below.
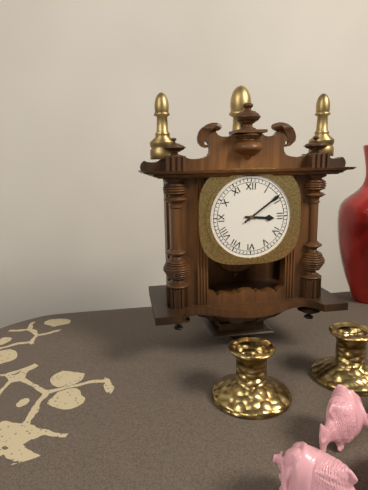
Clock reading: h=3 m=9
